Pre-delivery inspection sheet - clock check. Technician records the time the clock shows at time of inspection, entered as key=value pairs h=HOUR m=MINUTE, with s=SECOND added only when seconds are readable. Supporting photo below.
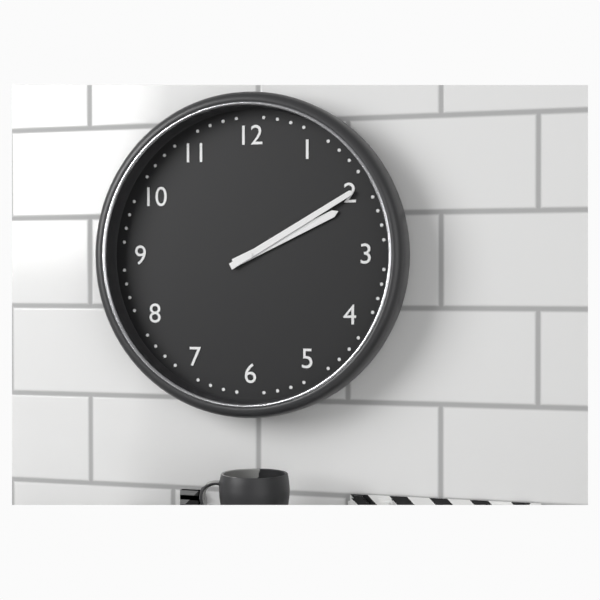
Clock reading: h=2 m=10
